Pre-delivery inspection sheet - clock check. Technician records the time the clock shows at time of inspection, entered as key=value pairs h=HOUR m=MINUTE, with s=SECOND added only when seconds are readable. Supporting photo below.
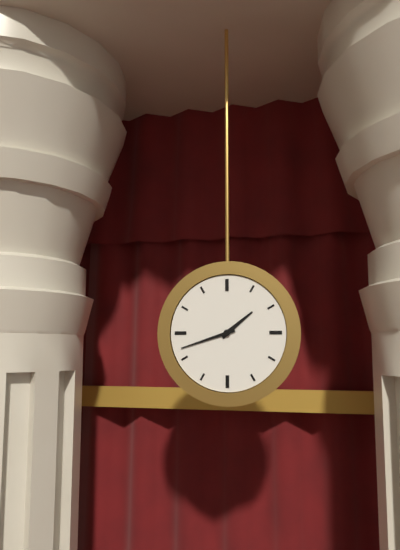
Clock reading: h=1 m=42
